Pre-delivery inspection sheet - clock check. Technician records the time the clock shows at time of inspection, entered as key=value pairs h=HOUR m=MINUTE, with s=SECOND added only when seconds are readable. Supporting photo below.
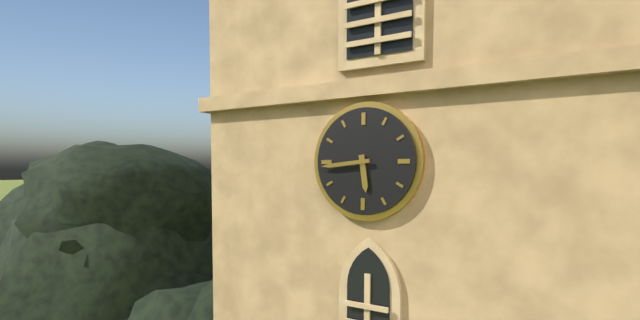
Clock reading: h=5 m=44
